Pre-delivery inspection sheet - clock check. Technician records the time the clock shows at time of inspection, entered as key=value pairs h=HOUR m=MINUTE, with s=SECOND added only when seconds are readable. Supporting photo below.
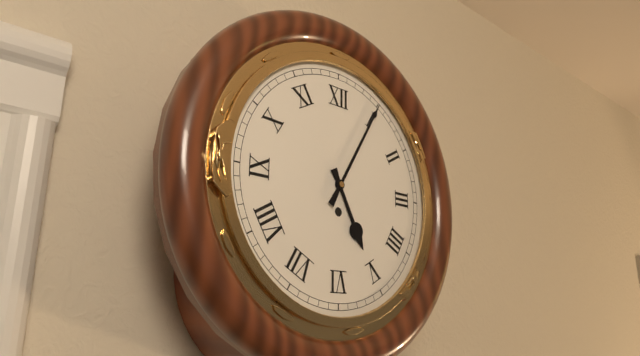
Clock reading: h=5 m=5
